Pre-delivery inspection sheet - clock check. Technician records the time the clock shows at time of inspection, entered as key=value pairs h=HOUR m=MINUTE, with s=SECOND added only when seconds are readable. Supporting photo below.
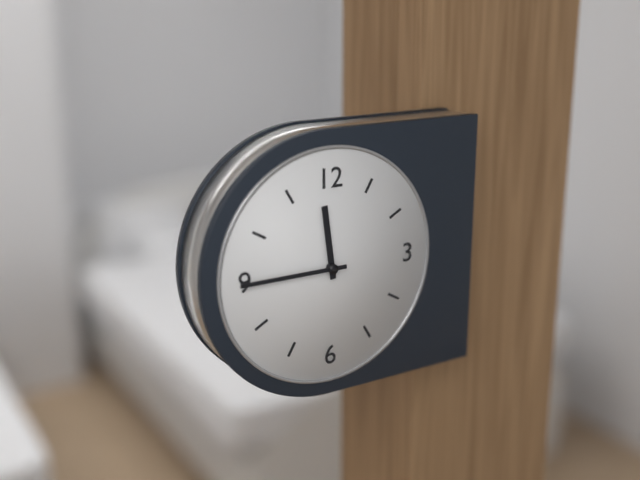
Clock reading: h=11 m=45
